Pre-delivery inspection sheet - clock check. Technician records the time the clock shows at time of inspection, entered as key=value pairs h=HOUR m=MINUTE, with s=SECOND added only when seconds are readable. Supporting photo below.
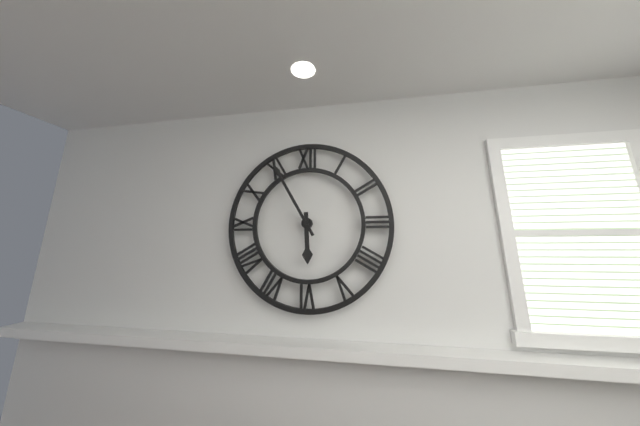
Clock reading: h=5 m=55
